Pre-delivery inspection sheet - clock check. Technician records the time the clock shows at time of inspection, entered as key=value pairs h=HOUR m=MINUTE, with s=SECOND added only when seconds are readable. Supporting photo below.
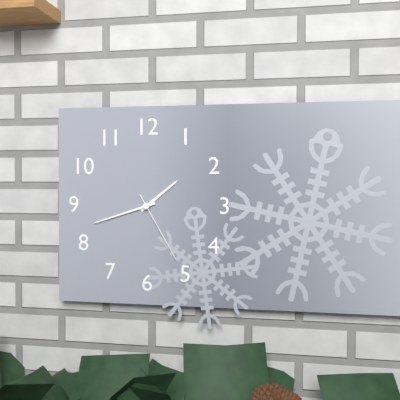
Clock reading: h=1 m=42 s=25
